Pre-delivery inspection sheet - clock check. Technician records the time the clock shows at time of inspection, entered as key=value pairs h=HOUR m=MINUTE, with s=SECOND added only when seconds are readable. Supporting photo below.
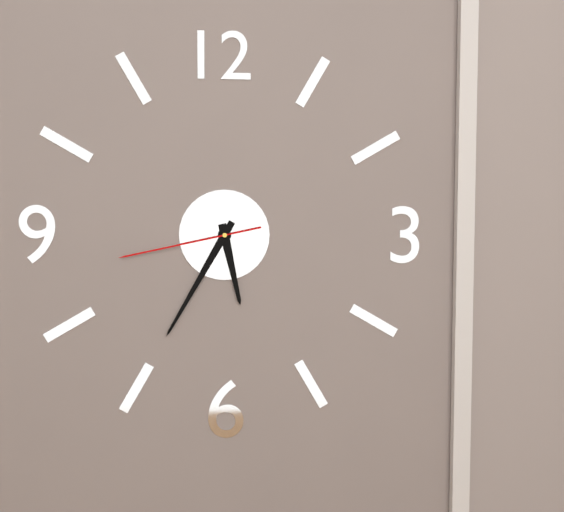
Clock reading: h=5 m=35 s=43
